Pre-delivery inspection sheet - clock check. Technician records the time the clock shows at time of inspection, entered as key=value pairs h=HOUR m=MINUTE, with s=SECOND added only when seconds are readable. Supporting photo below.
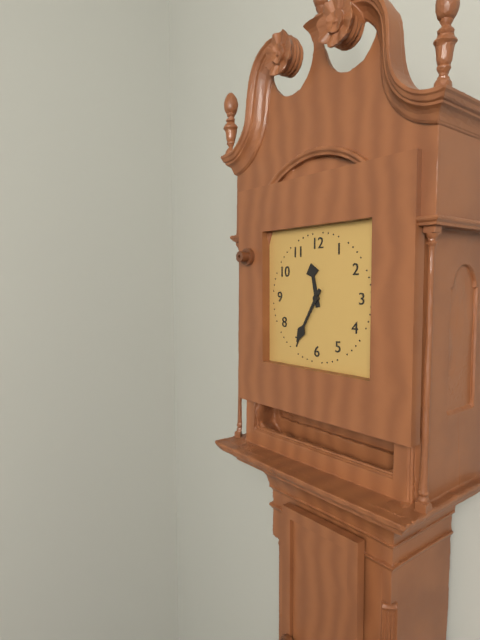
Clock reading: h=11 m=35
